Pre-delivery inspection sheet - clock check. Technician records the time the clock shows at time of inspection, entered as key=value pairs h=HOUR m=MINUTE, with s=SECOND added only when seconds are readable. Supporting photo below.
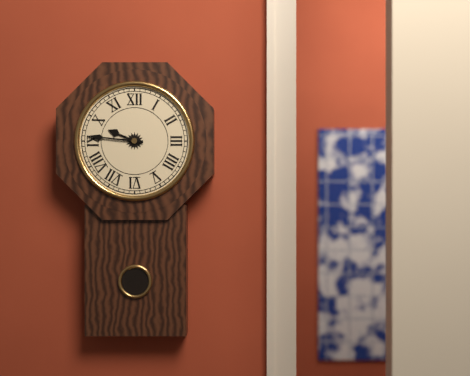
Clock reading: h=9 m=46
